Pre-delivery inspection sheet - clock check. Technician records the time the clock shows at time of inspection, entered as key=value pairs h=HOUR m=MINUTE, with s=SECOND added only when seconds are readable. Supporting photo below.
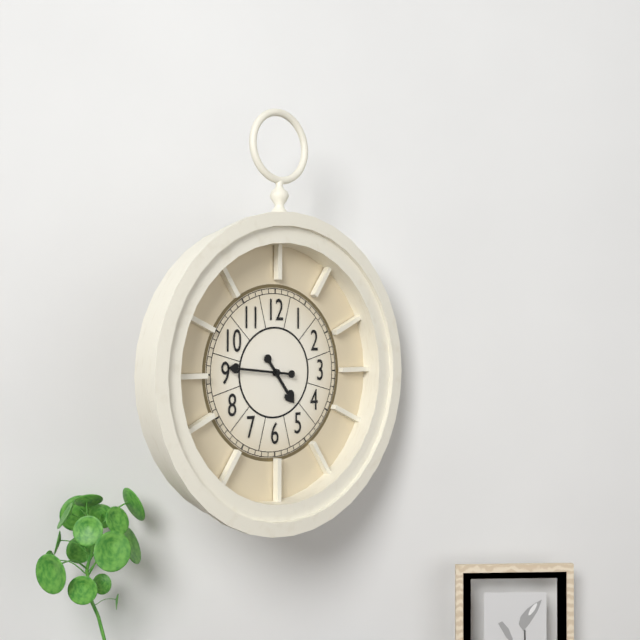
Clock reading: h=4 m=46
